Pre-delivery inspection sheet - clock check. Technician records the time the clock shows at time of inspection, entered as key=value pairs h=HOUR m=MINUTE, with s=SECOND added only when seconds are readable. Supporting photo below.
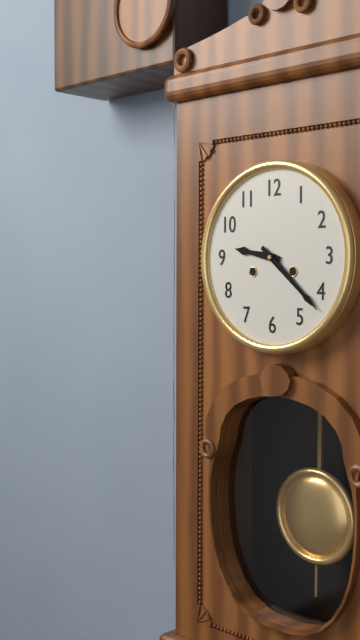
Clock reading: h=9 m=22
